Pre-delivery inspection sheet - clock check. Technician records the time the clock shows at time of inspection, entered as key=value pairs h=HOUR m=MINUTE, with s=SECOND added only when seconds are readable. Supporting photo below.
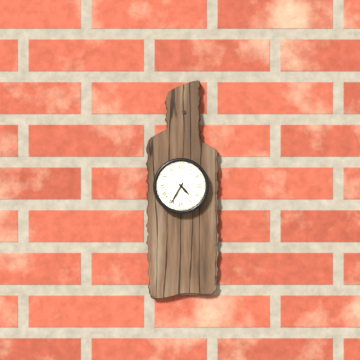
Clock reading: h=4 m=35
